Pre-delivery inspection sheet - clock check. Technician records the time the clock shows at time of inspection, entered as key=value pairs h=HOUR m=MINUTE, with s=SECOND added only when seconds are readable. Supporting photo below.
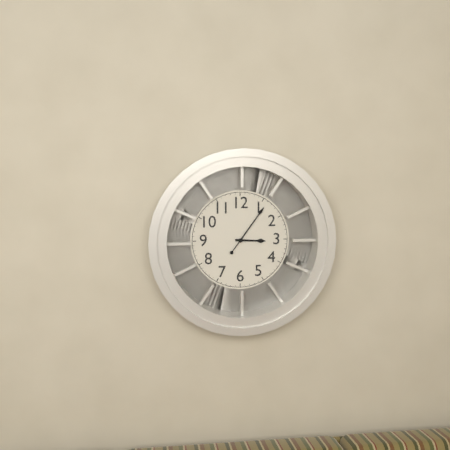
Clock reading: h=3 m=6
